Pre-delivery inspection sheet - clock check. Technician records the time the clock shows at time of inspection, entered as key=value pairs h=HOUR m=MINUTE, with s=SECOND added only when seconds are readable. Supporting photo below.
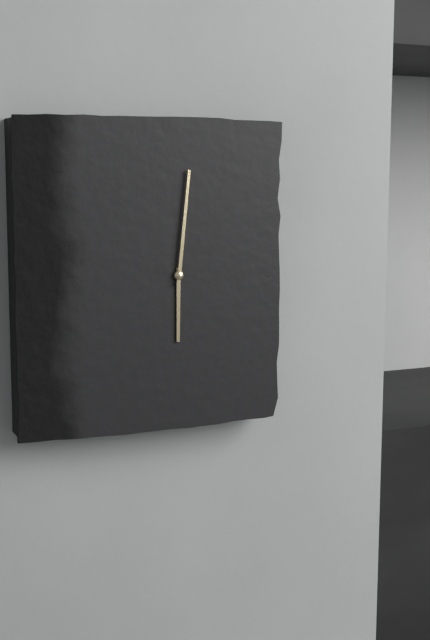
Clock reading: h=6 m=1
